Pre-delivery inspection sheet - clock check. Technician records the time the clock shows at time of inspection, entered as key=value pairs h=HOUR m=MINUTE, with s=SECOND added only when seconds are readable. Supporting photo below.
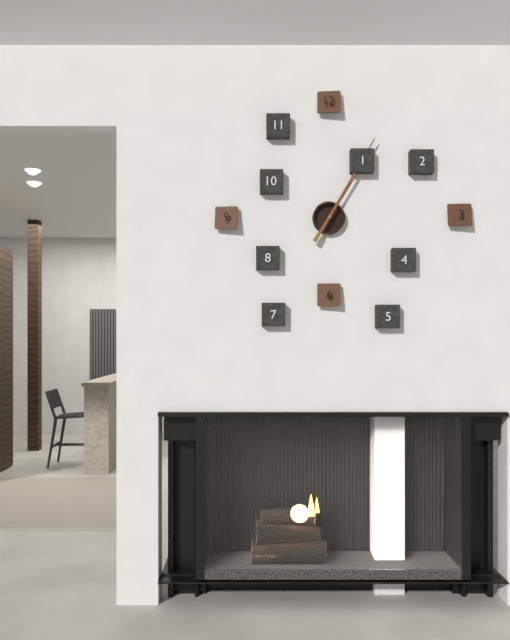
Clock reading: h=1 m=5
